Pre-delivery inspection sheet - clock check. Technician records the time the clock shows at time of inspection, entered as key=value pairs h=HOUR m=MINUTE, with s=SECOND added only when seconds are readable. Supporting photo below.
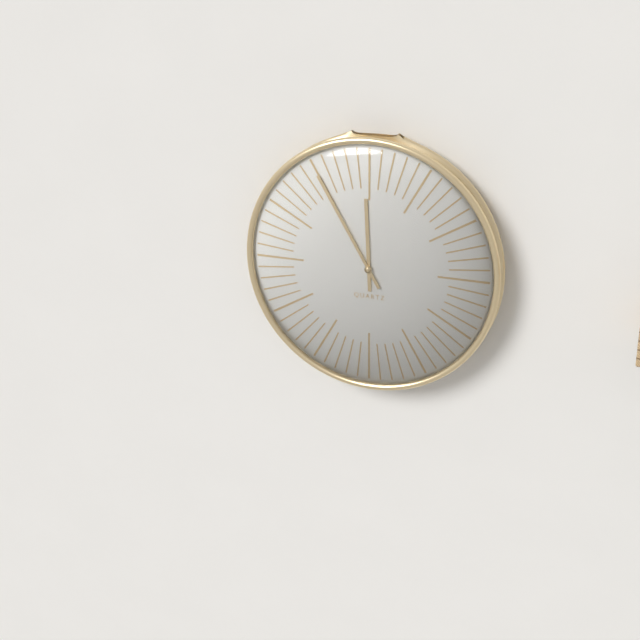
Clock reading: h=11 m=55
